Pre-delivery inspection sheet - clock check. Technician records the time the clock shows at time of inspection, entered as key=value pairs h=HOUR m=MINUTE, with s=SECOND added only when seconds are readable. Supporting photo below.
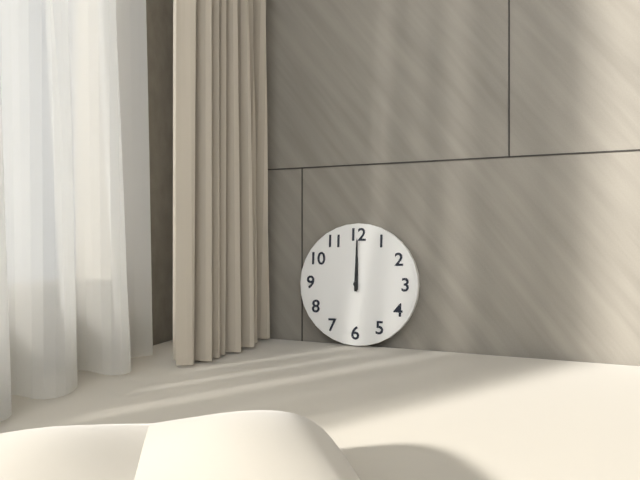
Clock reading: h=12 m=0
